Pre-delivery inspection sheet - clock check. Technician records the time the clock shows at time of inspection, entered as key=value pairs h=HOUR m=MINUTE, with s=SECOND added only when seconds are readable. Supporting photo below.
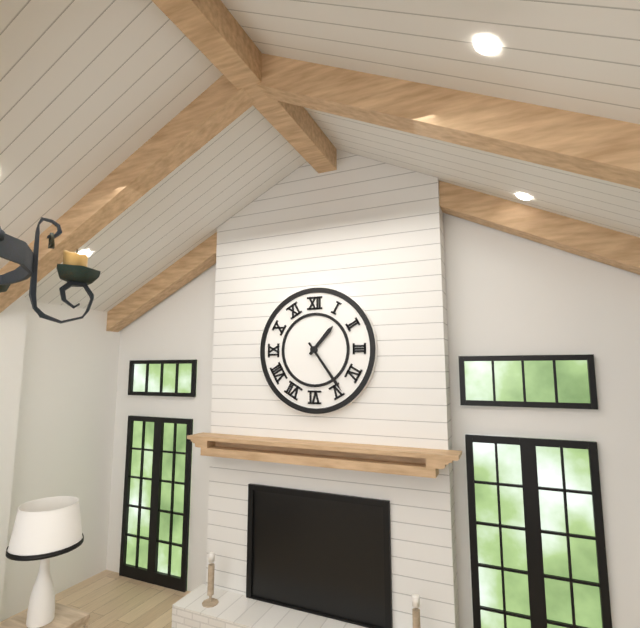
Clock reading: h=1 m=24
